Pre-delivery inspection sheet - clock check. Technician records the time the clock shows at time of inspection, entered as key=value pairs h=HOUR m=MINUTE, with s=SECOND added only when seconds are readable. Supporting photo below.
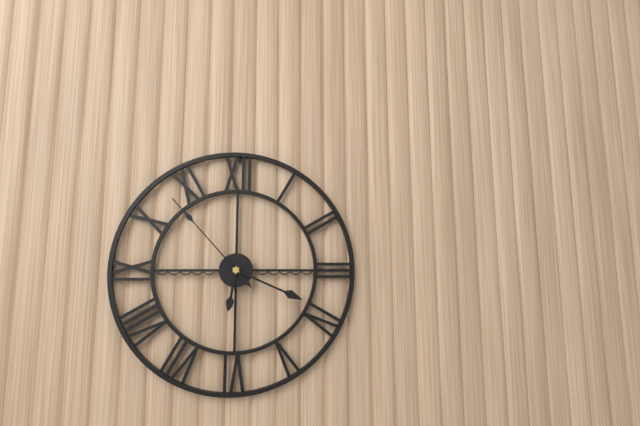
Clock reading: h=6 m=19 s=53
